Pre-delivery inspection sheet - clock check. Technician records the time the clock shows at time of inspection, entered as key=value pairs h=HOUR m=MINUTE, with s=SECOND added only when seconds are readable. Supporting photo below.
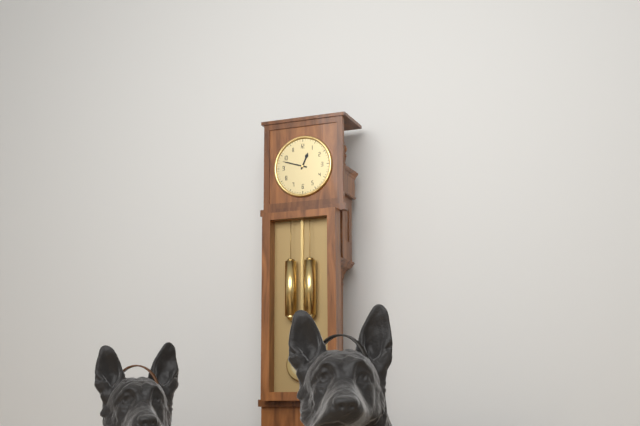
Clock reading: h=12 m=48
